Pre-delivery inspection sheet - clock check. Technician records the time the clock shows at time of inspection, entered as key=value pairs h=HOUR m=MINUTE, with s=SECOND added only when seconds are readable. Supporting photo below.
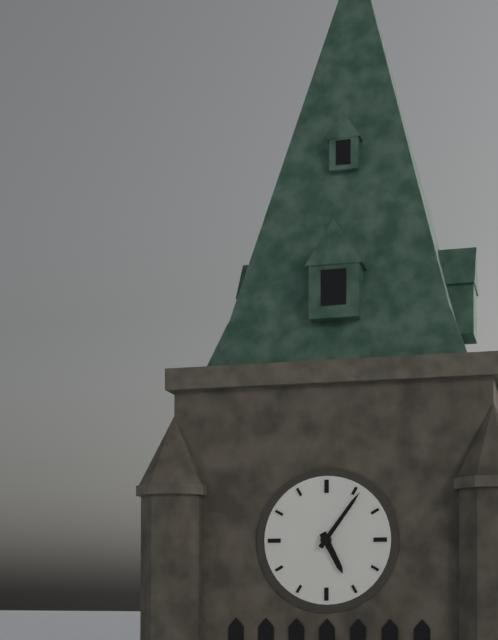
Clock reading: h=5 m=6
